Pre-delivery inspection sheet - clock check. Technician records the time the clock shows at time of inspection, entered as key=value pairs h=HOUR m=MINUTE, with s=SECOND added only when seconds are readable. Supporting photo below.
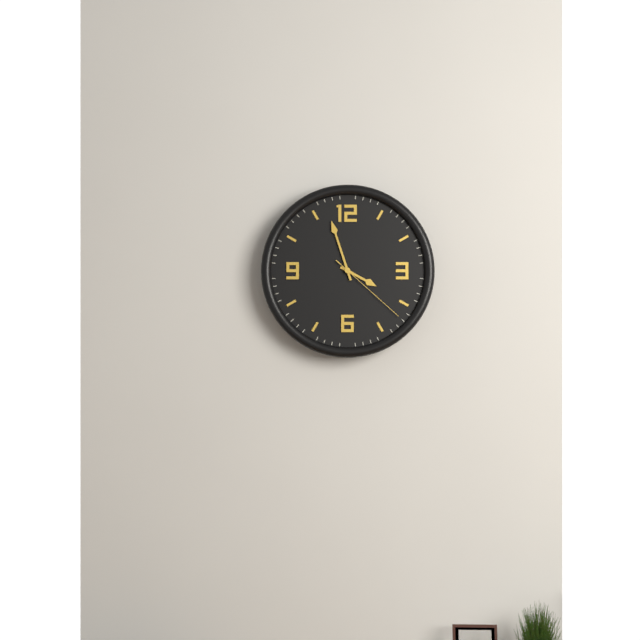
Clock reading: h=3 m=57 s=22
